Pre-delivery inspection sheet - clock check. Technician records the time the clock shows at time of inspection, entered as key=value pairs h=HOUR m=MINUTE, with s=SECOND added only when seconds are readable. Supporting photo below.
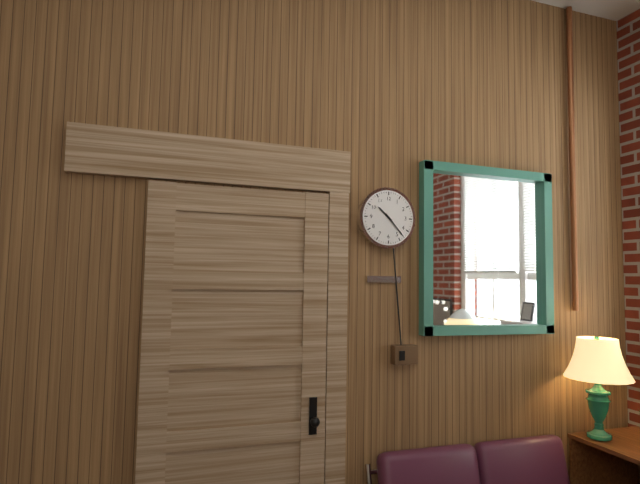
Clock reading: h=10 m=23
